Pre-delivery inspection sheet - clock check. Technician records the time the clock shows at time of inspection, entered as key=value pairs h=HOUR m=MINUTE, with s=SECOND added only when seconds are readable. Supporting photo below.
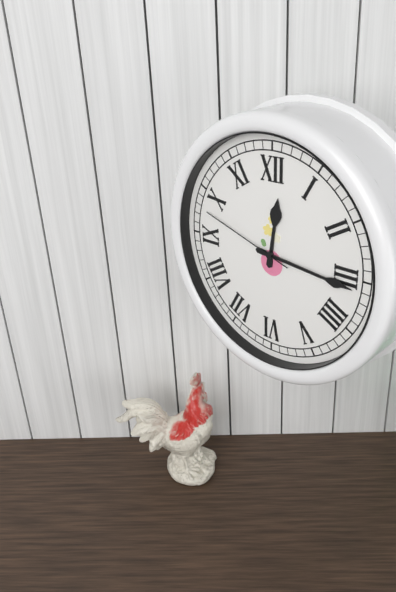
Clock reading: h=12 m=16 s=48
